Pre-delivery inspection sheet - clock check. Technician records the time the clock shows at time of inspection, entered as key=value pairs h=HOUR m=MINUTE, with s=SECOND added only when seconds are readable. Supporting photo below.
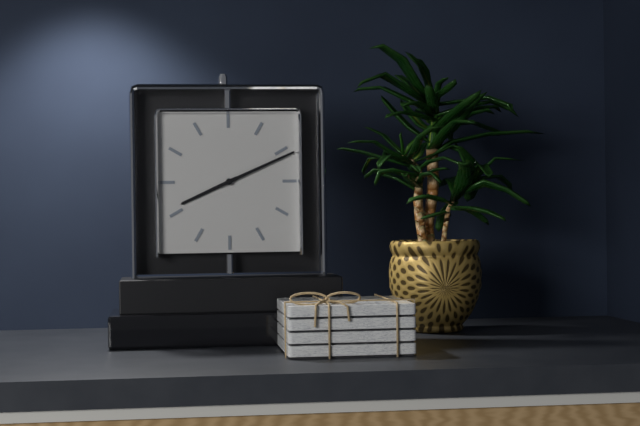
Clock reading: h=8 m=11
